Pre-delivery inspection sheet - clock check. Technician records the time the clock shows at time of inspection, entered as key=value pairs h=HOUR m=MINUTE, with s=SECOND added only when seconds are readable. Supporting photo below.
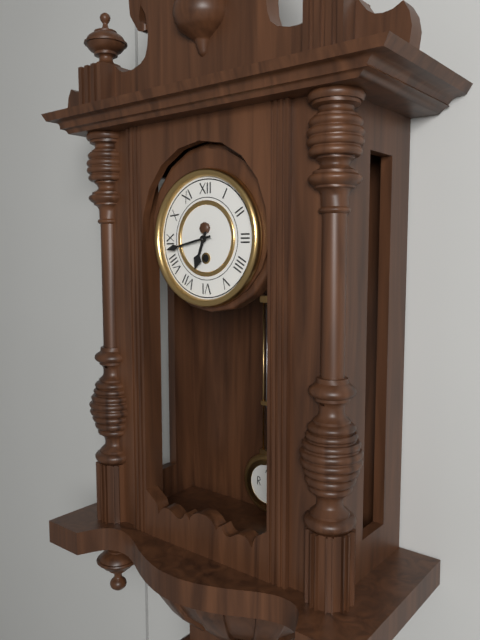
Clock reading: h=6 m=43
